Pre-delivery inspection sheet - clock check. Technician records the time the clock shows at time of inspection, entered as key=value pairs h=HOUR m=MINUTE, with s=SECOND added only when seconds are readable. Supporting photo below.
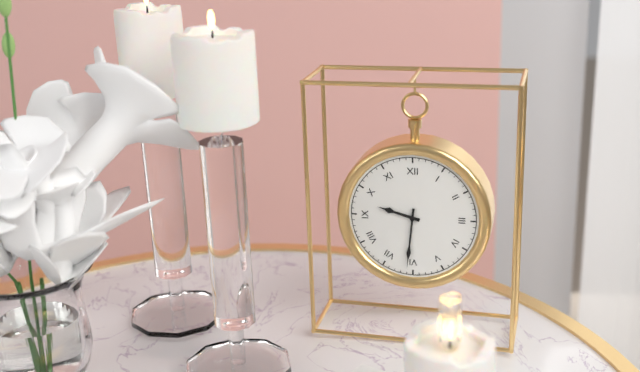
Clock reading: h=9 m=31
